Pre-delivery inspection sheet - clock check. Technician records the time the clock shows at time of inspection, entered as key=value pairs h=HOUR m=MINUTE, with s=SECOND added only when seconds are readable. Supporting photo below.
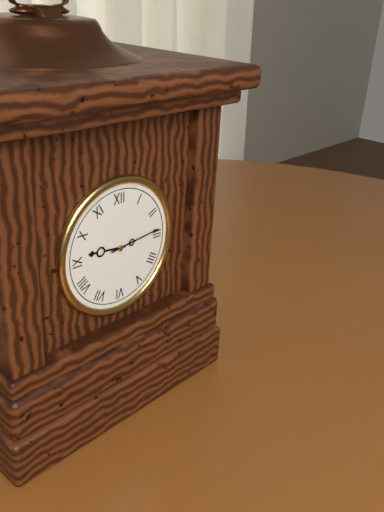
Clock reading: h=9 m=14
